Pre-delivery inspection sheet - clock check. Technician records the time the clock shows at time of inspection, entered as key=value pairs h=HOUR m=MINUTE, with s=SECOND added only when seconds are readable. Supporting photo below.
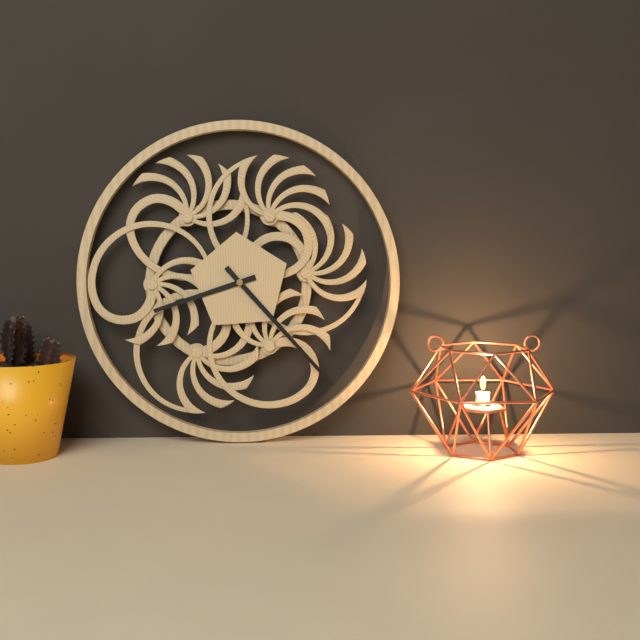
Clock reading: h=8 m=23
